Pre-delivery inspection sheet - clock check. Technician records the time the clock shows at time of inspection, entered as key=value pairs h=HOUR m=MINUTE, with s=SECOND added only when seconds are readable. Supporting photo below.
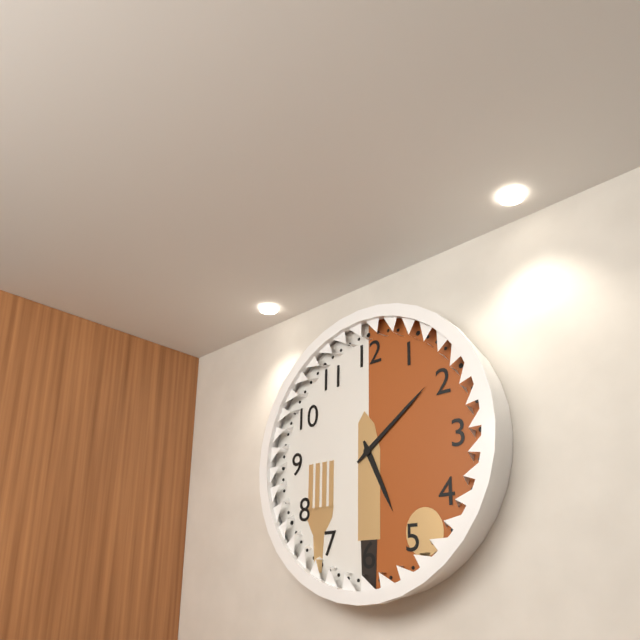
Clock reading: h=5 m=9
